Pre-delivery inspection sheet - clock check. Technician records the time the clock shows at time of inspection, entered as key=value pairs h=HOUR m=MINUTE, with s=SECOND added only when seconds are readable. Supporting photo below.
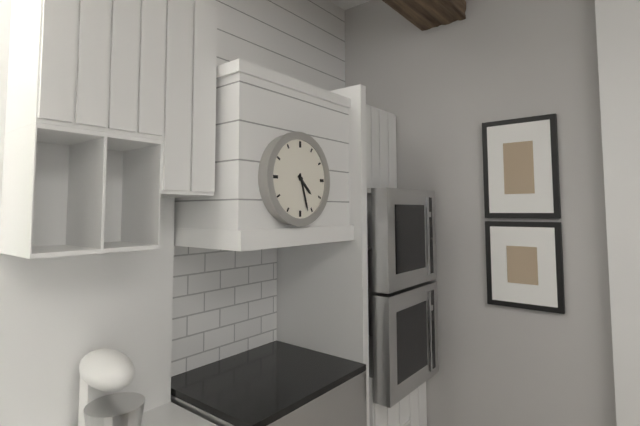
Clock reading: h=4 m=27
